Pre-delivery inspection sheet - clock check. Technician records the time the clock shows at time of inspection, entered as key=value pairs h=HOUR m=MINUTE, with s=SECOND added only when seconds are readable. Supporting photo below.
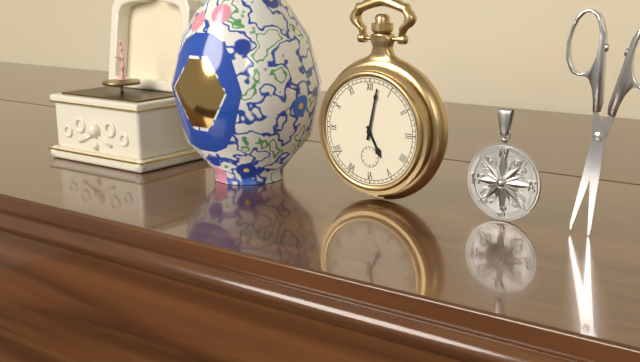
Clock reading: h=5 m=2
